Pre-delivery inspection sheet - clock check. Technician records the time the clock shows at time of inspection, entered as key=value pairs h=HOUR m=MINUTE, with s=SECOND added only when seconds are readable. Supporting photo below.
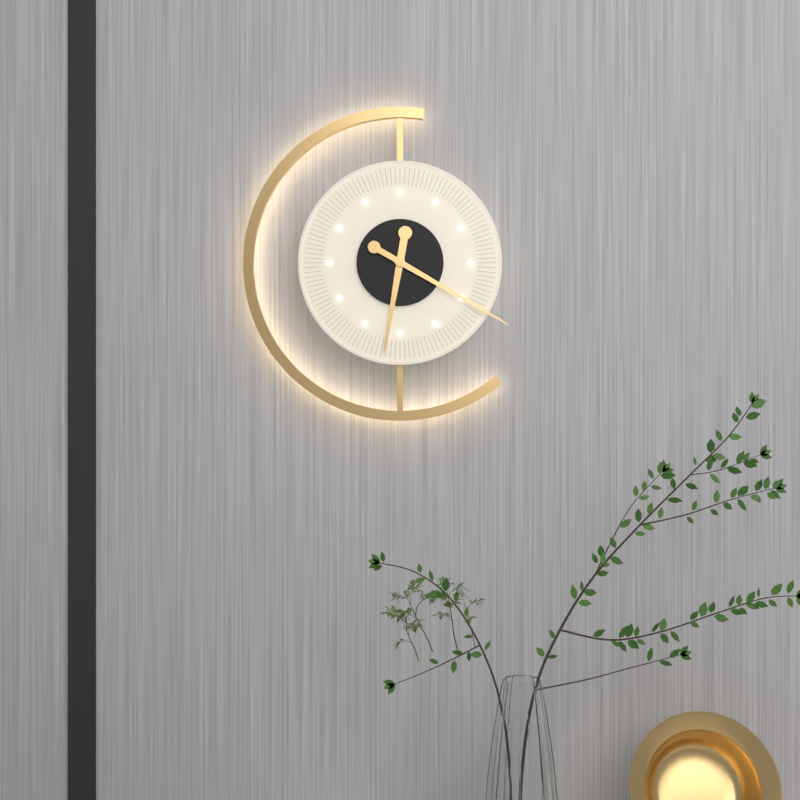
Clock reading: h=6 m=20
